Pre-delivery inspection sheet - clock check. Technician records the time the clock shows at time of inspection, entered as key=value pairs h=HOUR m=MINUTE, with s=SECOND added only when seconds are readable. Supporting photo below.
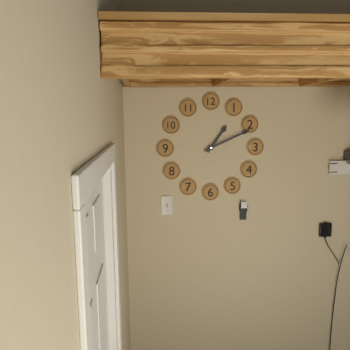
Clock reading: h=1 m=11
